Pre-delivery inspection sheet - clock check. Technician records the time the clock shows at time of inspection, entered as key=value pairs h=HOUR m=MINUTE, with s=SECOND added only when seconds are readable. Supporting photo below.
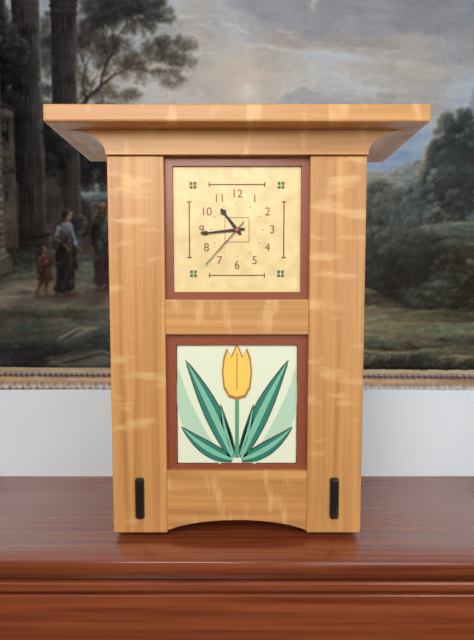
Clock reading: h=10 m=44 s=37
